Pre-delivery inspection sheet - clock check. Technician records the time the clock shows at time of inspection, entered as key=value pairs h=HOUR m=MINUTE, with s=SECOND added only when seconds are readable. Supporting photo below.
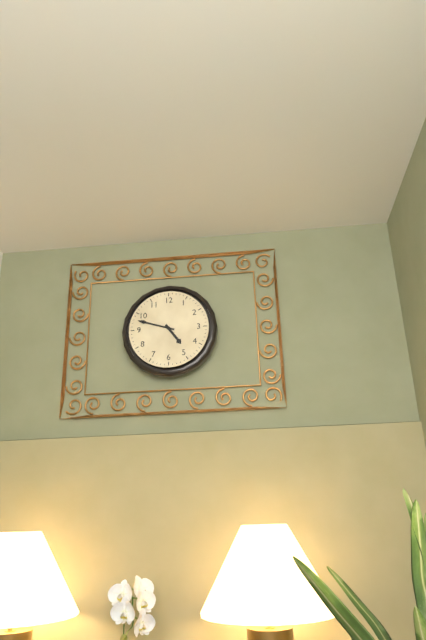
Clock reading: h=4 m=48
